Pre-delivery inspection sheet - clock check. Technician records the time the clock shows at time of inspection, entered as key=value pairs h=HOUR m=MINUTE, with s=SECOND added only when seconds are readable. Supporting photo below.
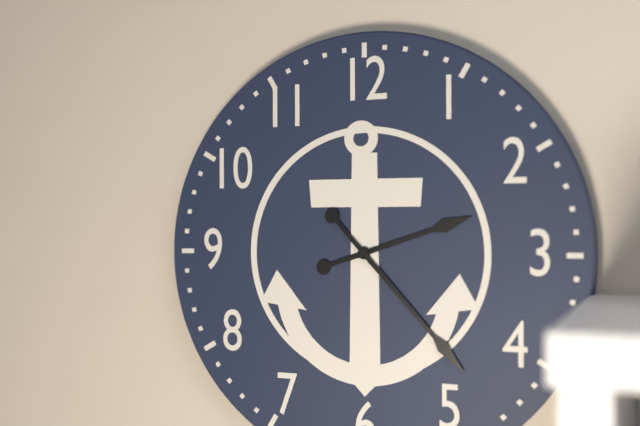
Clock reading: h=2 m=23
